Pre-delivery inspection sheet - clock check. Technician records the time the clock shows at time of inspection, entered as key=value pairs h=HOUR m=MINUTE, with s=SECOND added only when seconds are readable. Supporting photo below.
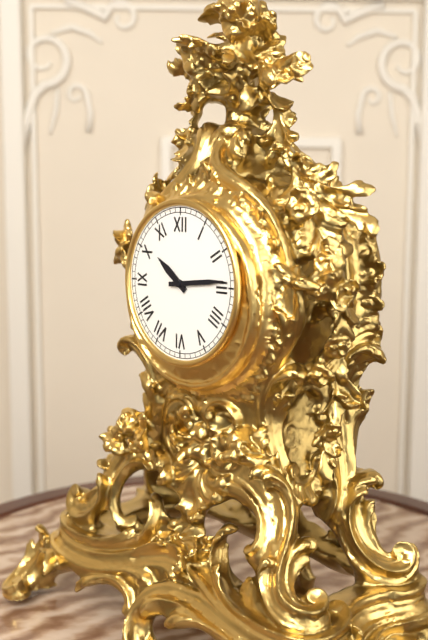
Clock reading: h=10 m=14
